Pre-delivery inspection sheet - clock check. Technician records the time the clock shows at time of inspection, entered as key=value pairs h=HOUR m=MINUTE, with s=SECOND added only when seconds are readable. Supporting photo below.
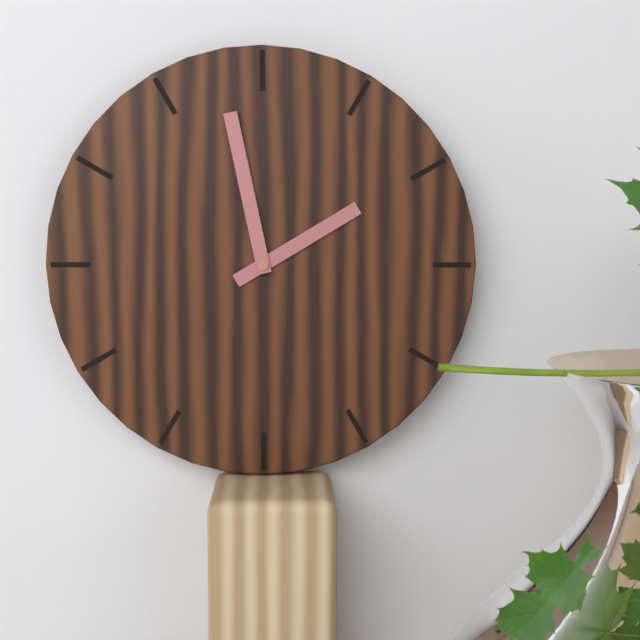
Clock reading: h=1 m=58
